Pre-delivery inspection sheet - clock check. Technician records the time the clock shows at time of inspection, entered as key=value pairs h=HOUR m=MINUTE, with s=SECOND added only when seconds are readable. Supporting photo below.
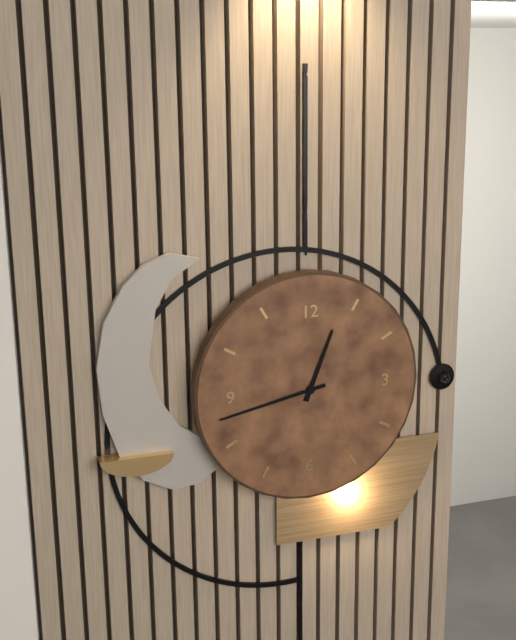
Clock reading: h=12 m=43
